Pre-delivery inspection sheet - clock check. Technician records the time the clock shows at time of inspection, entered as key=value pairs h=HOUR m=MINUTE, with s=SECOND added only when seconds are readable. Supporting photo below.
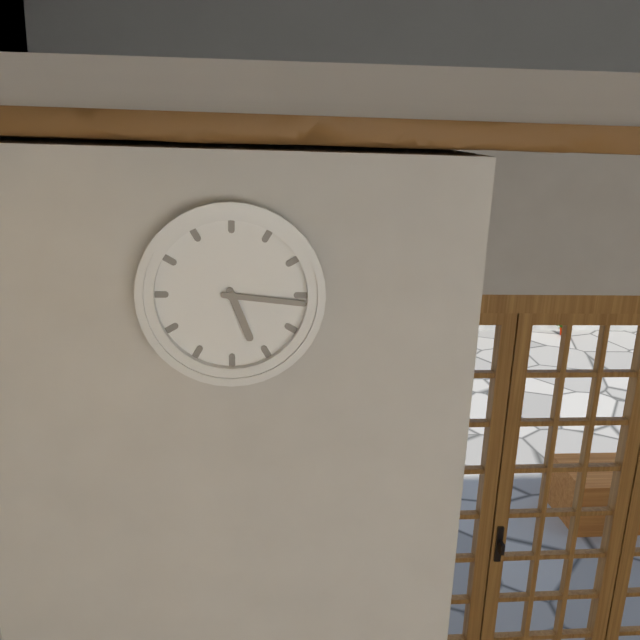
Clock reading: h=5 m=16
